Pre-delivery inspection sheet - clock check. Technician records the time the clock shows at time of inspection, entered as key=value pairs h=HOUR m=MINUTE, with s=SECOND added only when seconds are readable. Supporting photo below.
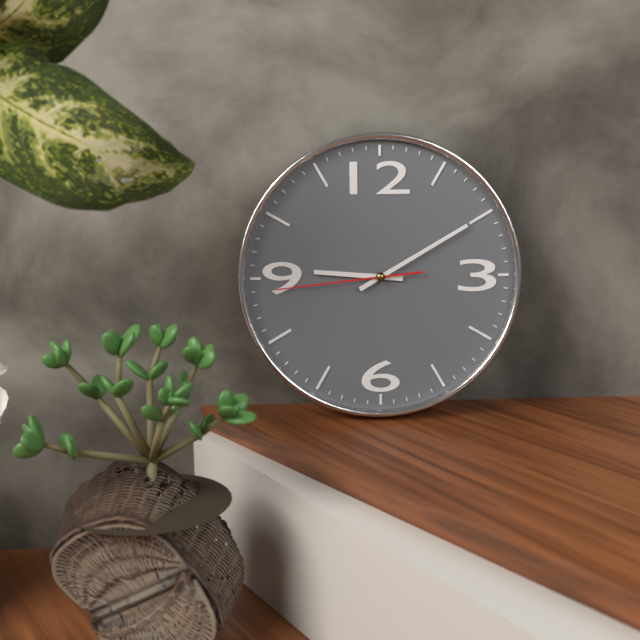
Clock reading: h=9 m=10 s=44
